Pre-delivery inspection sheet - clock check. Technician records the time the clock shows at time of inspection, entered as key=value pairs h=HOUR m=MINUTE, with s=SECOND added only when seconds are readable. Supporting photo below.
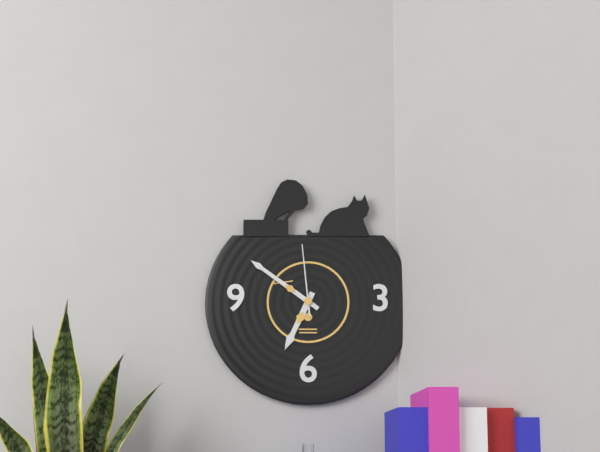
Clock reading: h=6 m=51 s=59
